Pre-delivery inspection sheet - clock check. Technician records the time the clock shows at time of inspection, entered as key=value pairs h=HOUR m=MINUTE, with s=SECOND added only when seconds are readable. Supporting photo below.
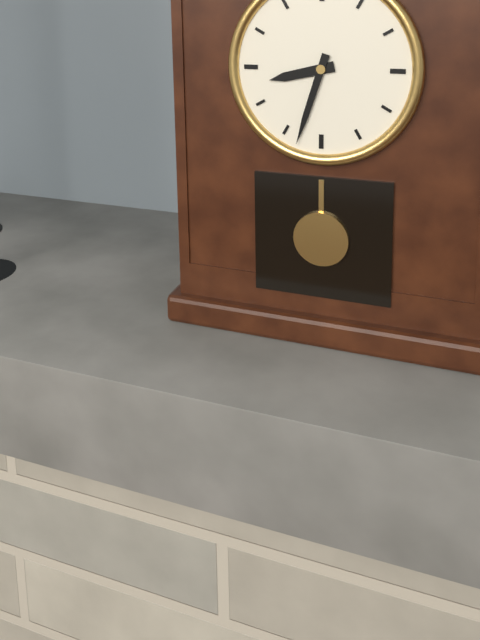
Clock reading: h=8 m=33
